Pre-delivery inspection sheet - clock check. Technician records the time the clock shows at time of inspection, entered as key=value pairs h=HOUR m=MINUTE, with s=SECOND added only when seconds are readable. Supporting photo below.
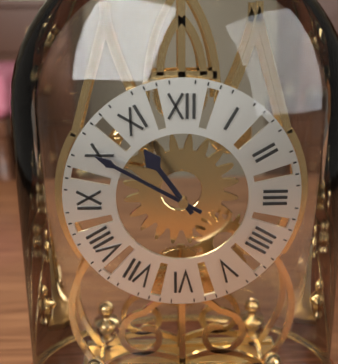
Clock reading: h=10 m=50
